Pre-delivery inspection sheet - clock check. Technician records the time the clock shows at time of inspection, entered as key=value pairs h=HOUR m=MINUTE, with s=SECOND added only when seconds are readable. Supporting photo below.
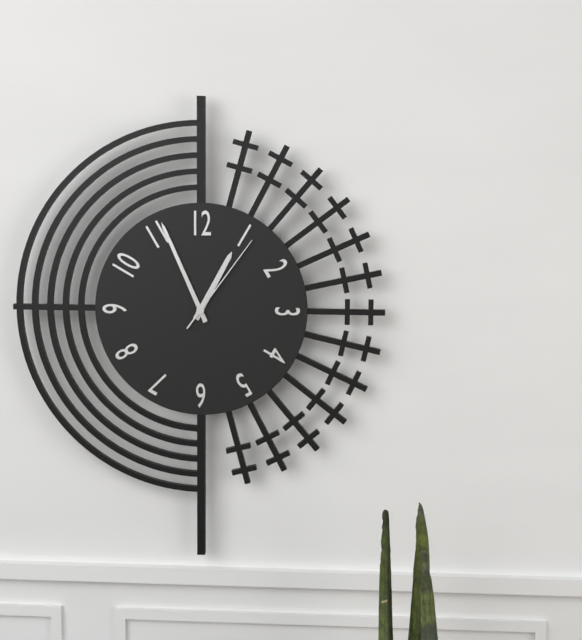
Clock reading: h=12 m=56 s=6
